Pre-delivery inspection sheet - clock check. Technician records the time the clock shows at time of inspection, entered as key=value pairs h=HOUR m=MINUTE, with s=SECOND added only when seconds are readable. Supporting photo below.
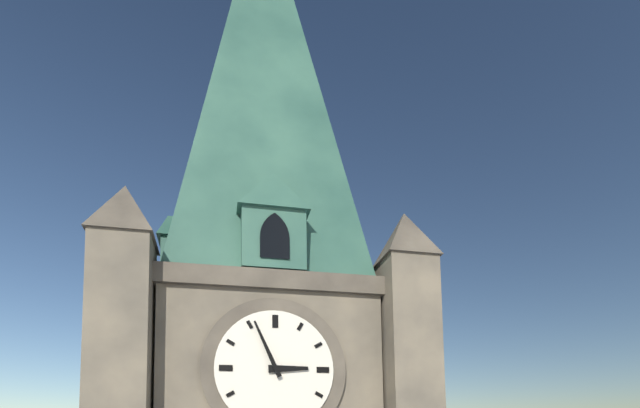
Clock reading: h=2 m=56
